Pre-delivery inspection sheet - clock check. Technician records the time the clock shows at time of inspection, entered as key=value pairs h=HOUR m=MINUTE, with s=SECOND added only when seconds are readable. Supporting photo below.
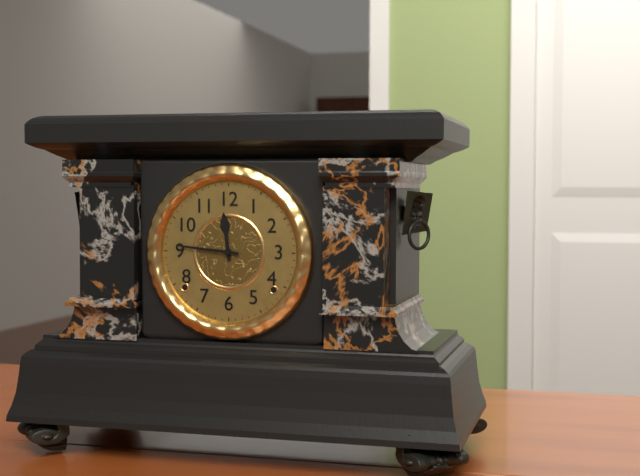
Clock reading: h=11 m=46
